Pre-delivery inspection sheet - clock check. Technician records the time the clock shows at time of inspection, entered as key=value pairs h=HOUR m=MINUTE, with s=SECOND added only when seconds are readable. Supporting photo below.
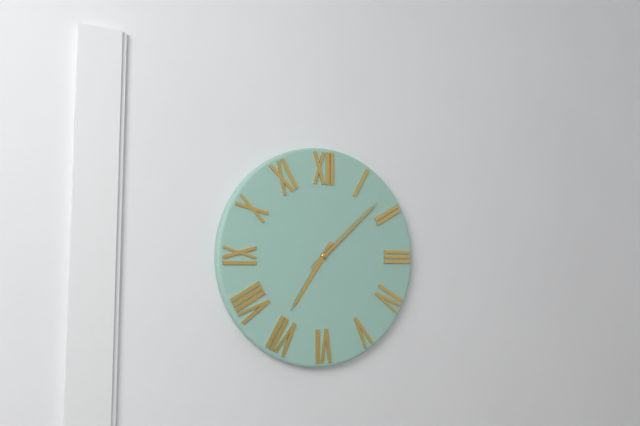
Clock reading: h=7 m=8
